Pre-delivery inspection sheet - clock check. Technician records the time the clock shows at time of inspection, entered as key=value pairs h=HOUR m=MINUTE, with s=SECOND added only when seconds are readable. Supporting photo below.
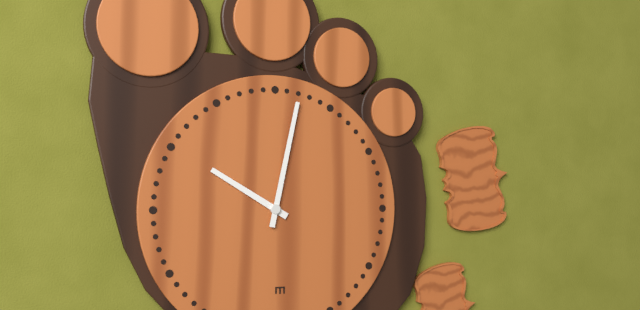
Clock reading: h=10 m=2
